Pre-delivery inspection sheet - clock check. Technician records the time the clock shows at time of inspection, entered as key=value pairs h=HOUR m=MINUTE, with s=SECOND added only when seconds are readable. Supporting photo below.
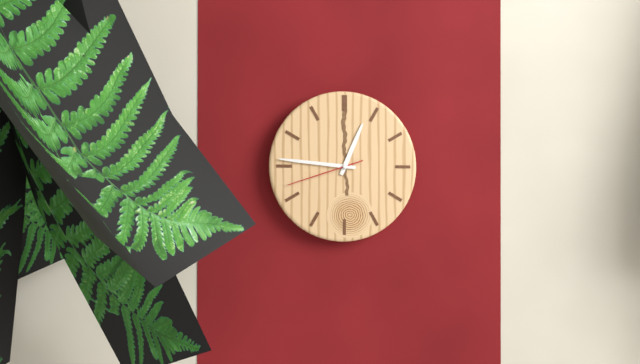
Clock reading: h=12 m=46 s=42
